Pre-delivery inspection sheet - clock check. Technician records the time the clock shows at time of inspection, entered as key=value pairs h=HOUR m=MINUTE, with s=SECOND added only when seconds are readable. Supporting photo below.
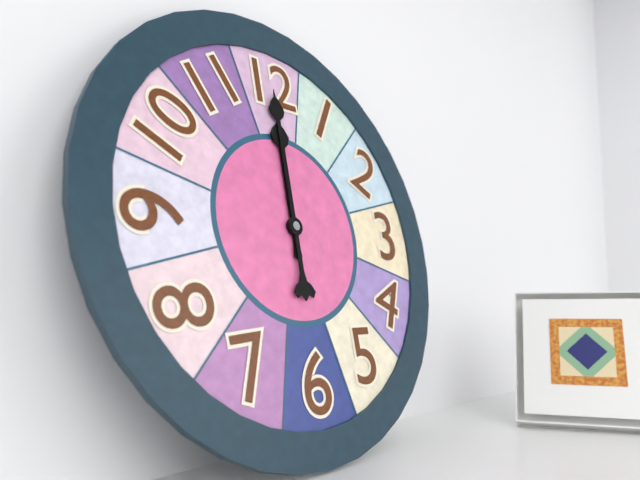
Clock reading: h=12 m=0
